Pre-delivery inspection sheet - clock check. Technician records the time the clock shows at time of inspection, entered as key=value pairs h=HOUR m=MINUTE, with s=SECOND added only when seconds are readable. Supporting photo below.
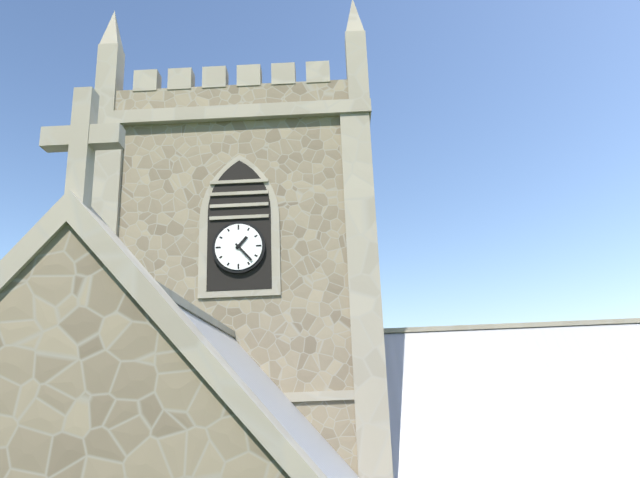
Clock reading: h=1 m=23
